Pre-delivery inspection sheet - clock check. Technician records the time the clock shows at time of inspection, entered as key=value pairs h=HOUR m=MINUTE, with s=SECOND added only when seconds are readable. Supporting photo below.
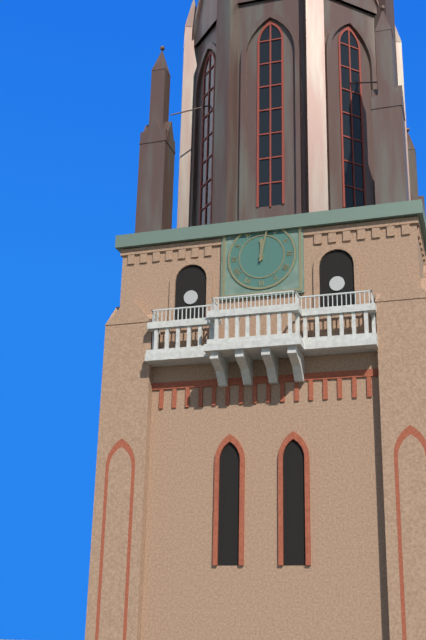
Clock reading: h=12 m=2
